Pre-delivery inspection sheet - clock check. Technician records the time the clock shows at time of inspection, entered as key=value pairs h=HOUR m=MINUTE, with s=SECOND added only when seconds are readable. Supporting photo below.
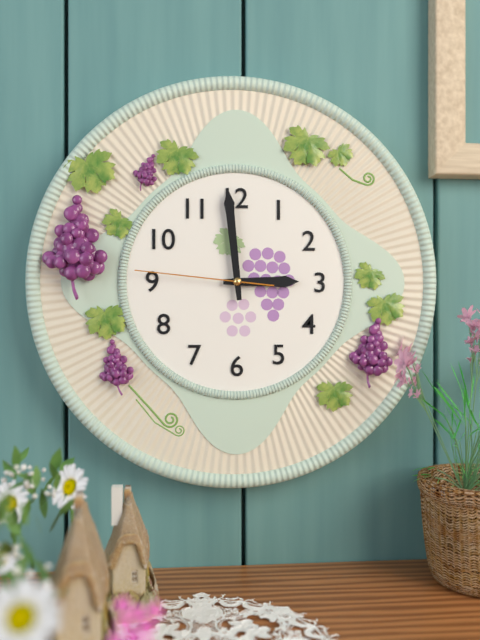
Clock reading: h=2 m=59 s=46
